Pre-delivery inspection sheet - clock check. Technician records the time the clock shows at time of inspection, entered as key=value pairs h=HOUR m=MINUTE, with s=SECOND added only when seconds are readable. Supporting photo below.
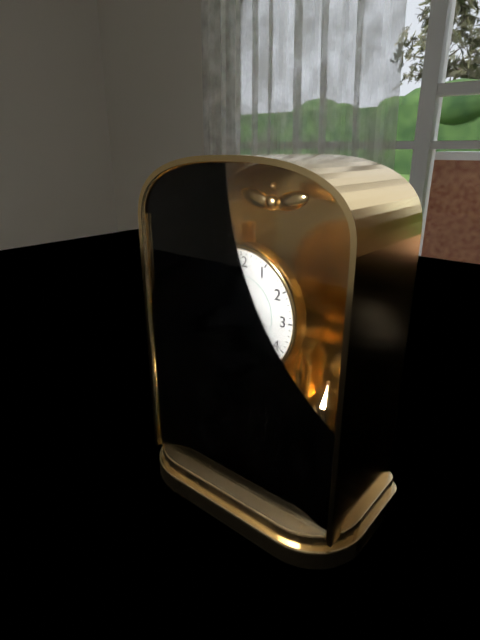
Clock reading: h=3 m=29 s=30
